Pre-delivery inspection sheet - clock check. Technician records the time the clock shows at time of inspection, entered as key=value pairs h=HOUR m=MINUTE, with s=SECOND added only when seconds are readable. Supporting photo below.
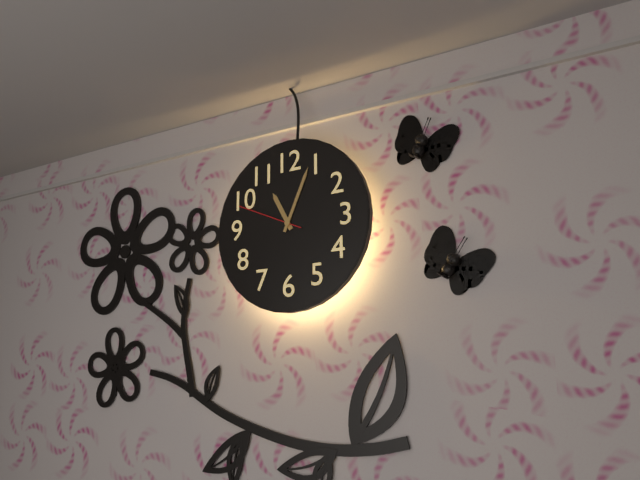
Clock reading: h=11 m=4 s=49
